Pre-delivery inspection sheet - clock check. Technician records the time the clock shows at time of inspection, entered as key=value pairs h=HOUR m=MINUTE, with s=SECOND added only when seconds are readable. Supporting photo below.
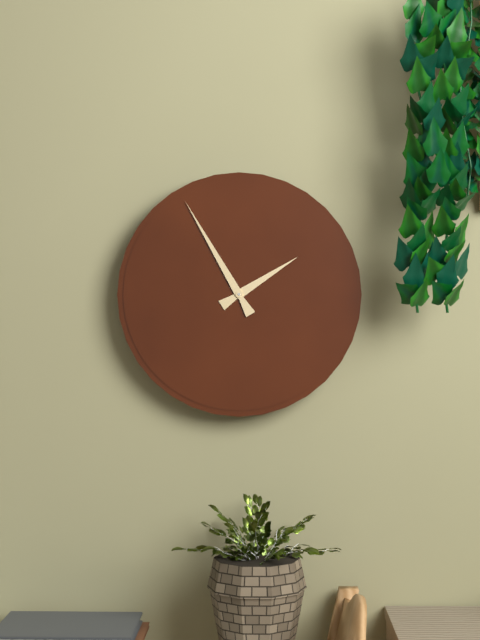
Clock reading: h=1 m=55
